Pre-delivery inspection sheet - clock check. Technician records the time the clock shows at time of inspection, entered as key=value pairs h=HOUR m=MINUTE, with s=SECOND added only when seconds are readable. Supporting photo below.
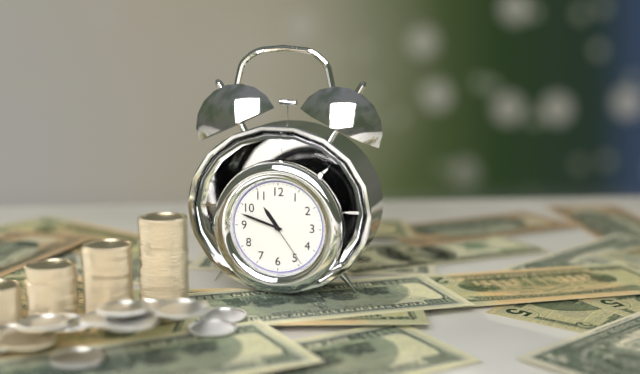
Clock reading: h=10 m=48 s=24
